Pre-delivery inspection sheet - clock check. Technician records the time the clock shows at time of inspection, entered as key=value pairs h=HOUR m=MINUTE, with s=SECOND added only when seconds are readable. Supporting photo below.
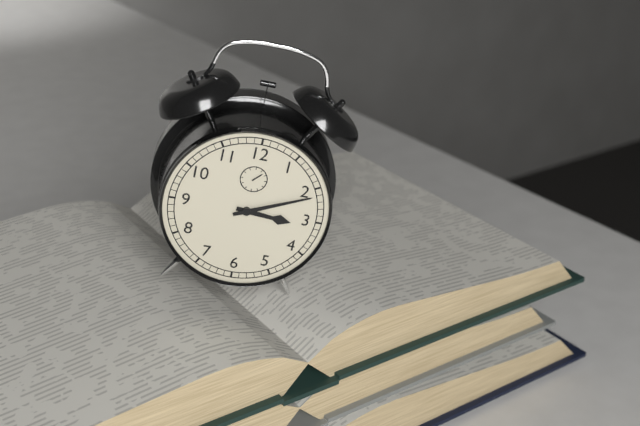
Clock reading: h=3 m=11
